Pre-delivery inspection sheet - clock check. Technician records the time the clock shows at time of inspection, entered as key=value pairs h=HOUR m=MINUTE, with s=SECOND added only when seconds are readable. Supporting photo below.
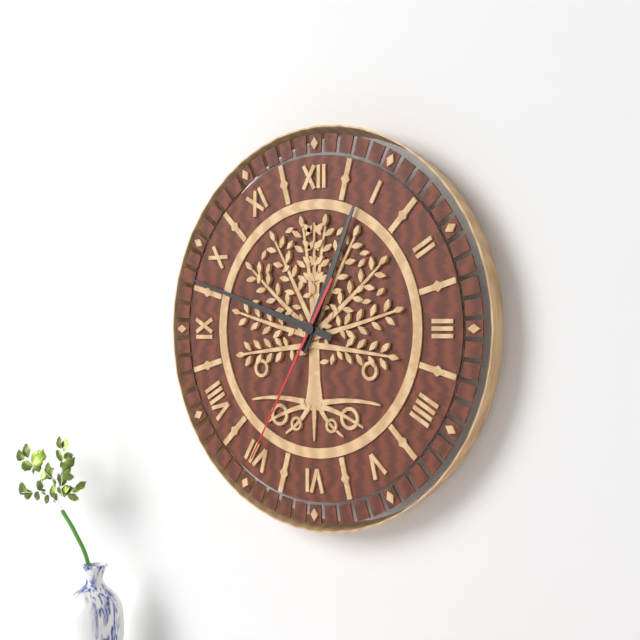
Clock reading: h=12 m=48 s=35
